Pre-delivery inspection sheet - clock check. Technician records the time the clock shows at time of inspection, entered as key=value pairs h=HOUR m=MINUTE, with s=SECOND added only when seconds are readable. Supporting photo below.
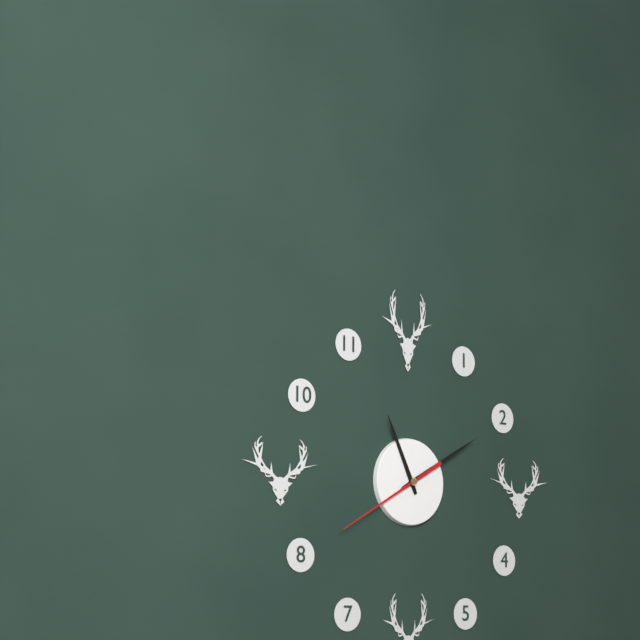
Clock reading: h=11 m=10 s=40
